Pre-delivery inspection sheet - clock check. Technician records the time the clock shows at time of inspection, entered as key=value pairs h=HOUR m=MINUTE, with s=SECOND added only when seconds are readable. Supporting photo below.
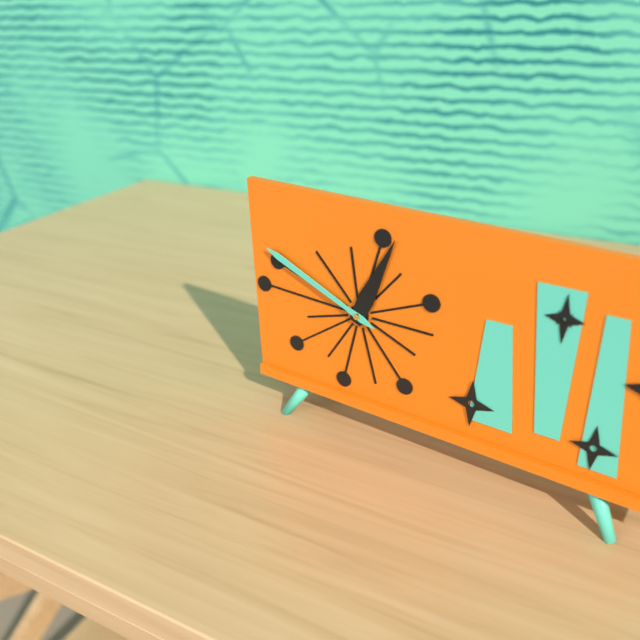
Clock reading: h=12 m=49
